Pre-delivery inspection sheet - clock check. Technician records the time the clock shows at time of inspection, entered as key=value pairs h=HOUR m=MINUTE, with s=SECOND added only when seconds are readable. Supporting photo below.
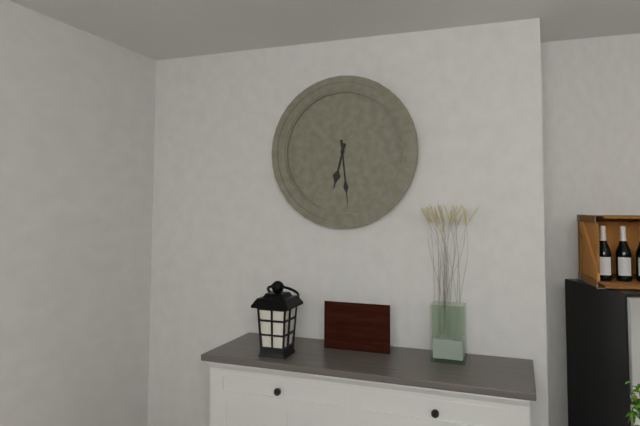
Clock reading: h=6 m=29
